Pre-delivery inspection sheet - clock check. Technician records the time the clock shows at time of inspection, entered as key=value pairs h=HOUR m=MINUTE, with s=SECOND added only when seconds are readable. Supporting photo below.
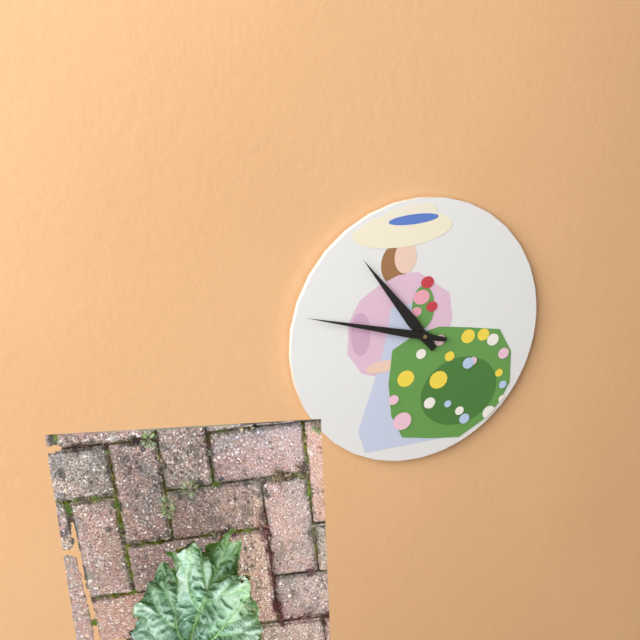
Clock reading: h=10 m=48
